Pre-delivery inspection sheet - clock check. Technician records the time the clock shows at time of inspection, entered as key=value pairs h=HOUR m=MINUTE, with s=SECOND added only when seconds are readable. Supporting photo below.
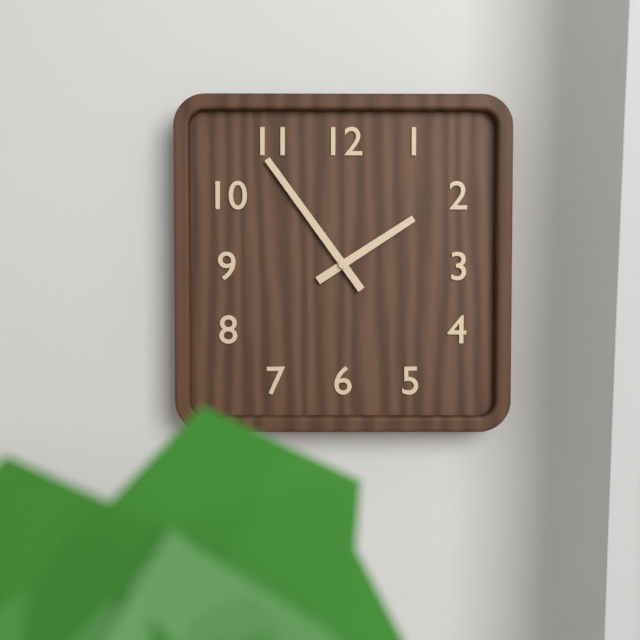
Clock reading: h=1 m=54
